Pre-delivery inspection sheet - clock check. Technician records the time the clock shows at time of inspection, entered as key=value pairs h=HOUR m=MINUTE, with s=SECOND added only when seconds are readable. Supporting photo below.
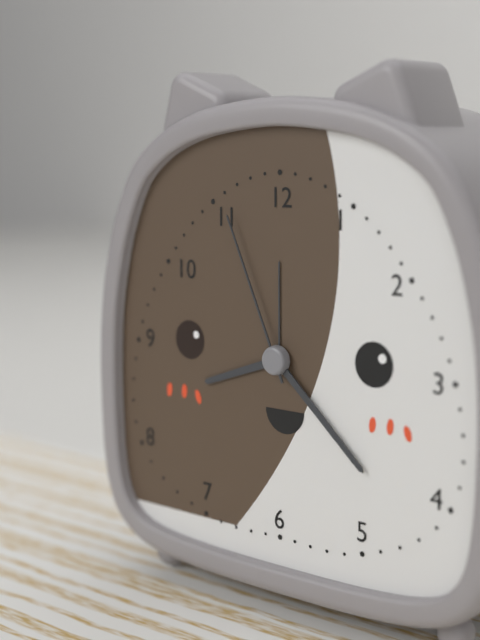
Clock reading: h=8 m=22 s=56
